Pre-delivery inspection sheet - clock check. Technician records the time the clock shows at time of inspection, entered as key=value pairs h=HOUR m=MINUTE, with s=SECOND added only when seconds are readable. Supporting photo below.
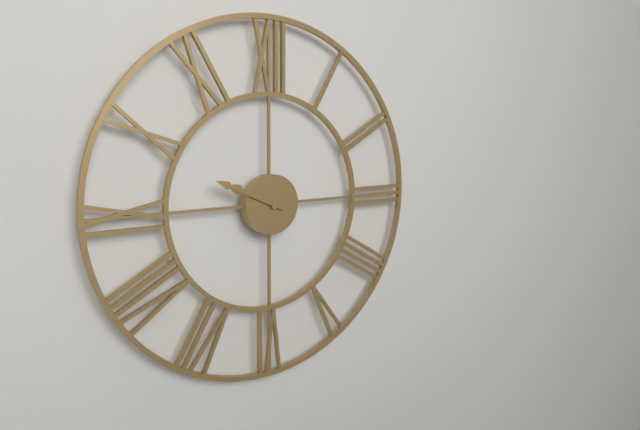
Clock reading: h=9 m=49
